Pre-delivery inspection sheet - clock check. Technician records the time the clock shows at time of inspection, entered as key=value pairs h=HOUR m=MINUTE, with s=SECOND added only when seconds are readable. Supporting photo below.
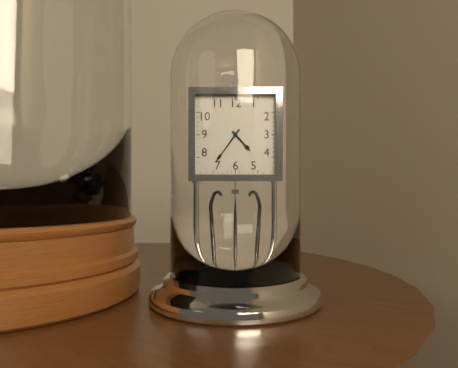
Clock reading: h=4 m=36
